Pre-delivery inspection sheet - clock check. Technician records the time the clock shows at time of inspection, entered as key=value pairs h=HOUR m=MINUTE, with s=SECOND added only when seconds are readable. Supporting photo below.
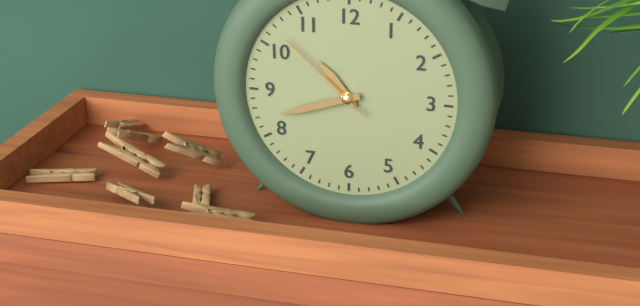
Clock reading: h=10 m=42 s=52
